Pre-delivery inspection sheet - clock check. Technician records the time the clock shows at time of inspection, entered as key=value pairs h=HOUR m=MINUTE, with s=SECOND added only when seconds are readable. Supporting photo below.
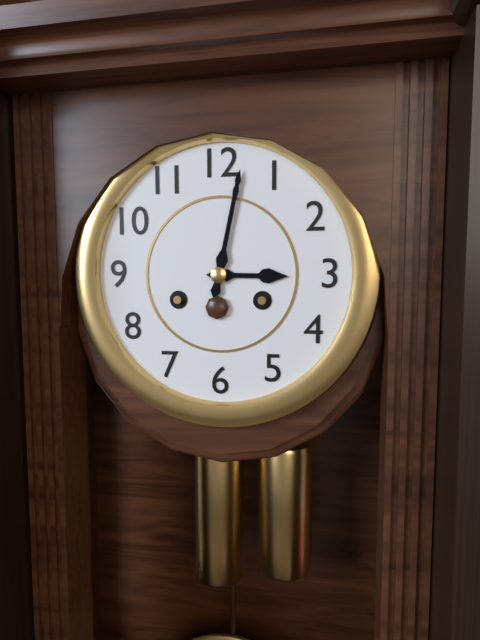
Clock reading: h=3 m=2
